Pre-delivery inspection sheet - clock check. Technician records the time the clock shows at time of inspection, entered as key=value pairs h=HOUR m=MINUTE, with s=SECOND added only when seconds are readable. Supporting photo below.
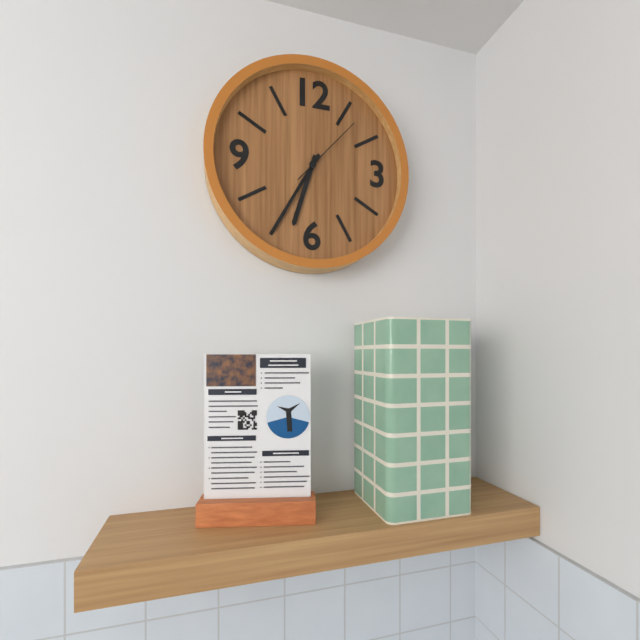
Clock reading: h=6 m=35 s=7
